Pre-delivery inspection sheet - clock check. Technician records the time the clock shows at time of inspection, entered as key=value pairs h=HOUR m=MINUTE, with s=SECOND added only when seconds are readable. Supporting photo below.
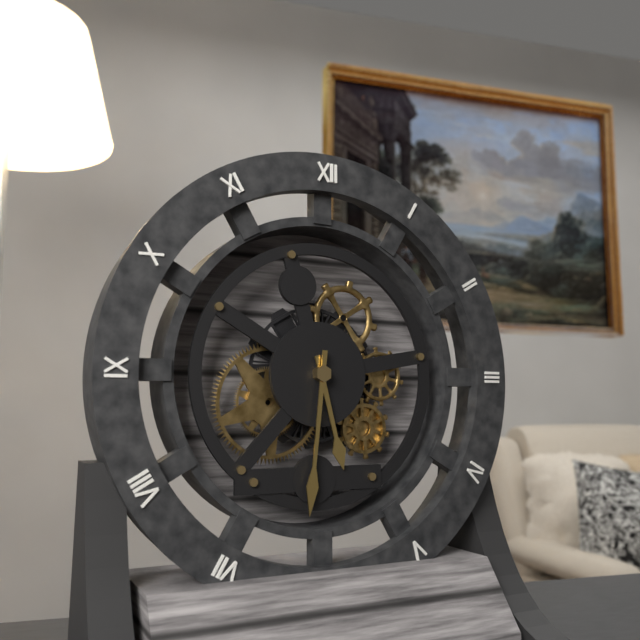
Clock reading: h=5 m=31
